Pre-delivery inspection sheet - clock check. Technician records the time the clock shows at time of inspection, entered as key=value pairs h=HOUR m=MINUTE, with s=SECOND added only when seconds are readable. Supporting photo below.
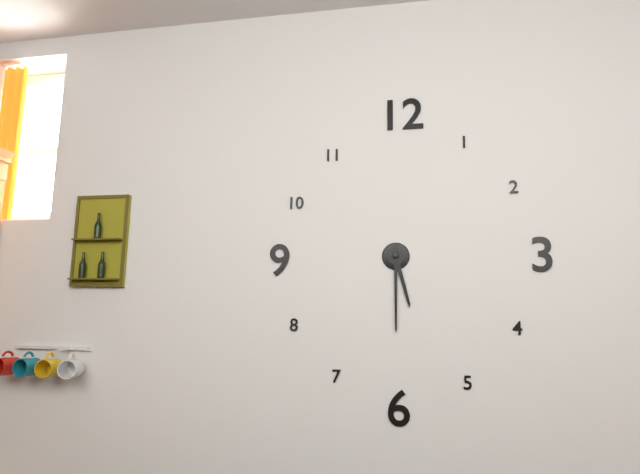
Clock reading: h=5 m=30
